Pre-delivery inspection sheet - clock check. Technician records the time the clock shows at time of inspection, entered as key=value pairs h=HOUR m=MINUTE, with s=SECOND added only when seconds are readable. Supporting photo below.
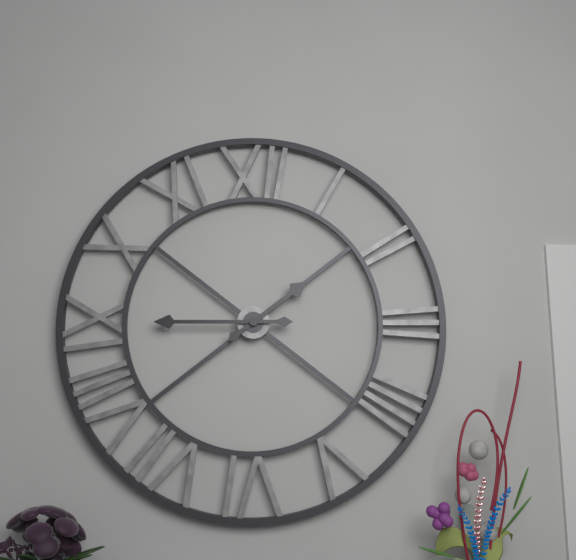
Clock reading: h=1 m=45
